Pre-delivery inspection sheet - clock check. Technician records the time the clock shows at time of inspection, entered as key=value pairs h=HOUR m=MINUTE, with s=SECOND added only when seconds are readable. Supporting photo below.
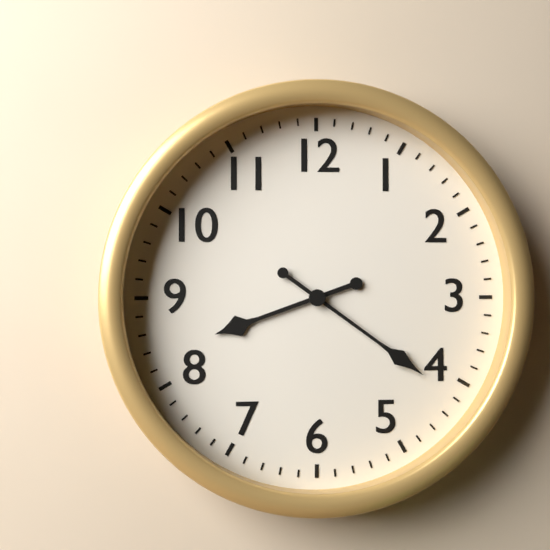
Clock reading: h=8 m=21
